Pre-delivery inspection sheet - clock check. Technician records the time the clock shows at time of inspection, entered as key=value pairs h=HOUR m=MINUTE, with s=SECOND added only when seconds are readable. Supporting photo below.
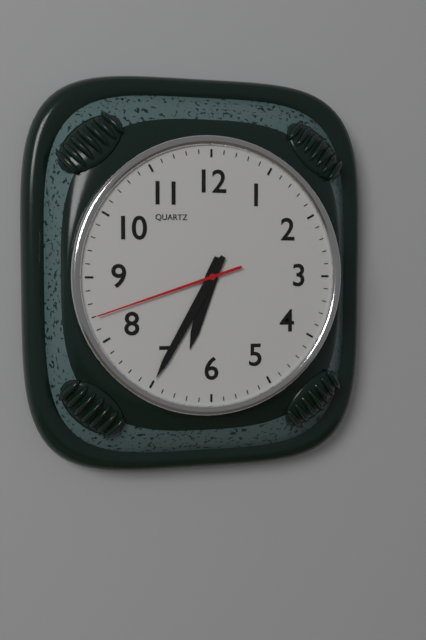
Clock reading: h=6 m=35 s=42
